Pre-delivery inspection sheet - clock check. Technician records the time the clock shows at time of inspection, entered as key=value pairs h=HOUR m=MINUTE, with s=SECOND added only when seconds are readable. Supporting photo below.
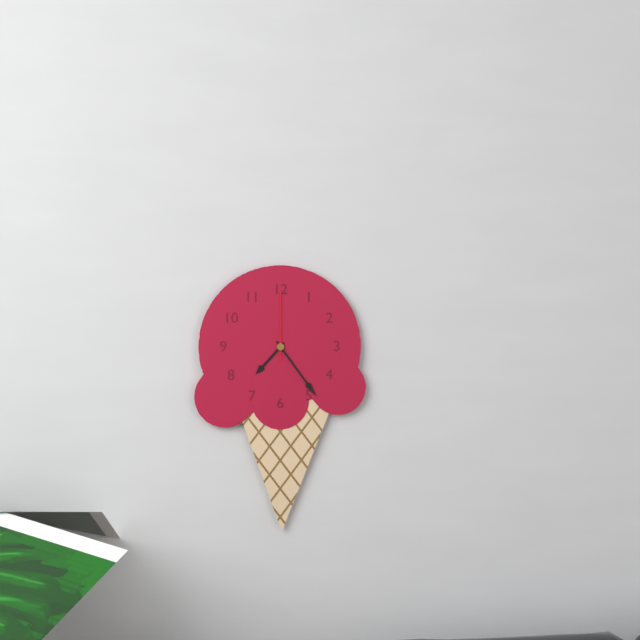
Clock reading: h=7 m=24 s=0
